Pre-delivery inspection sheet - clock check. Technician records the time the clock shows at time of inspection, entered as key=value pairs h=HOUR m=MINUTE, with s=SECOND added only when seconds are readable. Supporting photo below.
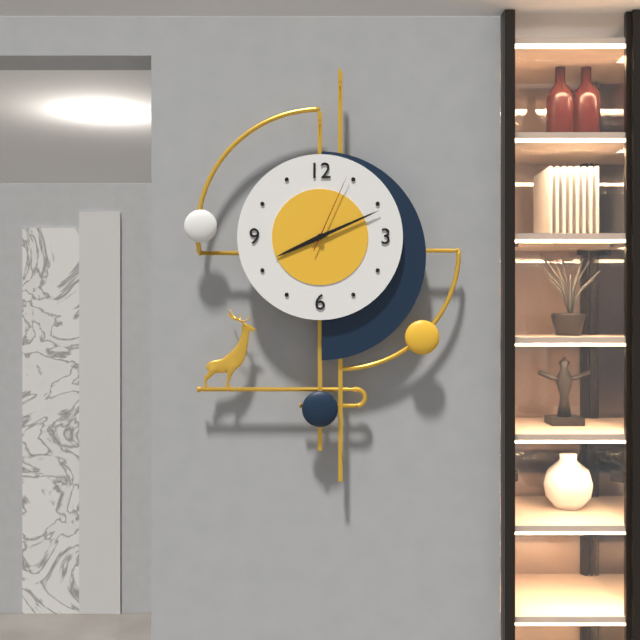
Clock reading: h=8 m=11 s=4
